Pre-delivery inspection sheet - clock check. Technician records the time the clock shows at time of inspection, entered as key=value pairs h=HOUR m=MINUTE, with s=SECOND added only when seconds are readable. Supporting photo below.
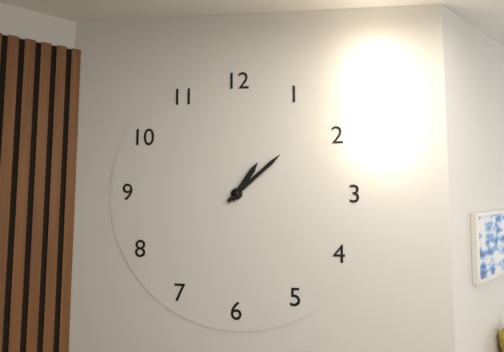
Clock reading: h=1 m=8
